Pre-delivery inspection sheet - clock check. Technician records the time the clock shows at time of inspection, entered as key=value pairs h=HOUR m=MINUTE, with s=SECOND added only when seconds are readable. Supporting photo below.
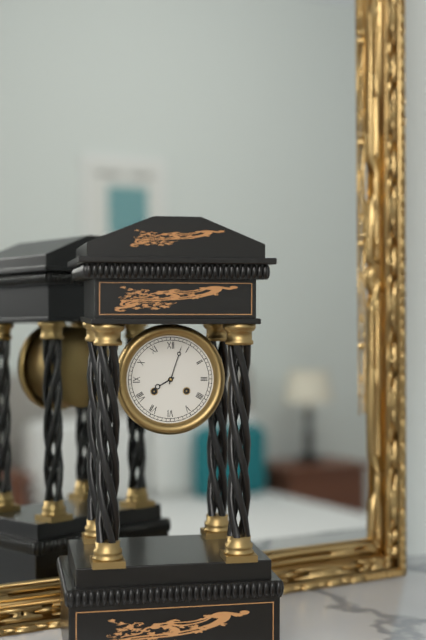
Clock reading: h=8 m=3
